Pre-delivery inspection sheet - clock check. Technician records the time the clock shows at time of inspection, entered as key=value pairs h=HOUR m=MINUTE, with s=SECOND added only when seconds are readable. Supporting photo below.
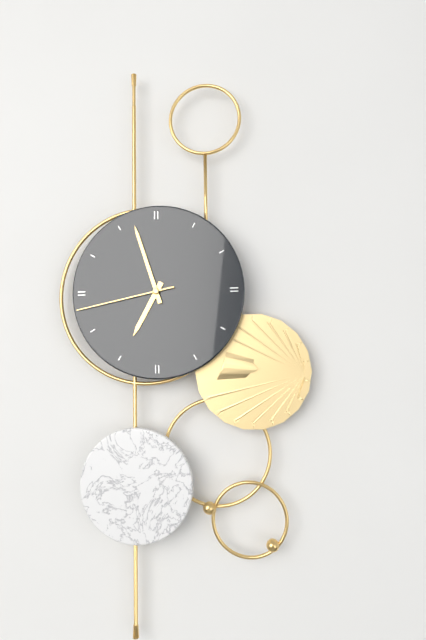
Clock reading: h=6 m=57 s=43
